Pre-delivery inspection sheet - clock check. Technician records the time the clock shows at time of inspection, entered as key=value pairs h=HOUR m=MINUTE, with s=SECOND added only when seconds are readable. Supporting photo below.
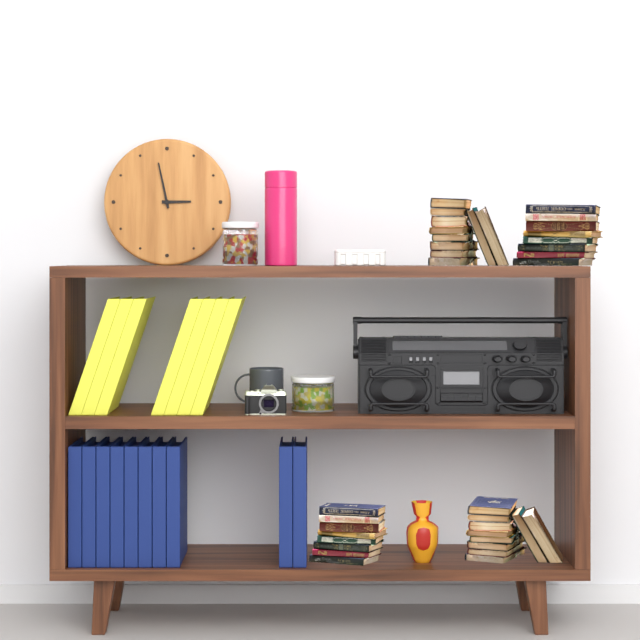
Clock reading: h=2 m=58
